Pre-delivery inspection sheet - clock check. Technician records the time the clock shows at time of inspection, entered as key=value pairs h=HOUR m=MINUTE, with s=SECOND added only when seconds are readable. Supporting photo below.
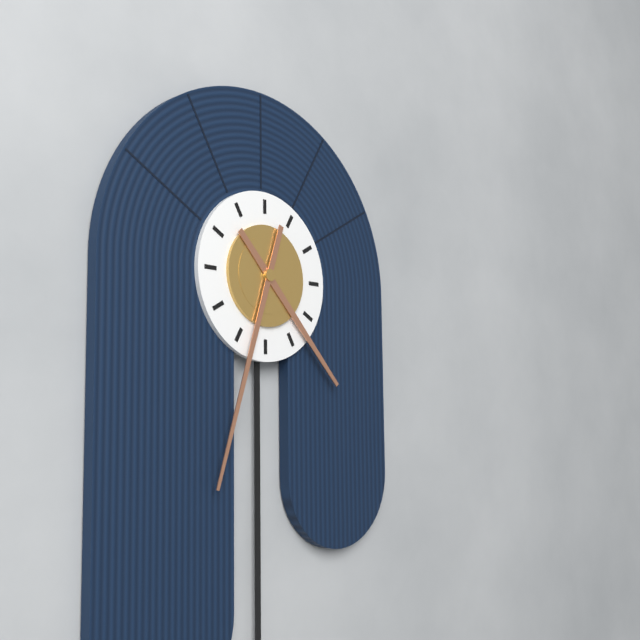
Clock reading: h=4 m=33
